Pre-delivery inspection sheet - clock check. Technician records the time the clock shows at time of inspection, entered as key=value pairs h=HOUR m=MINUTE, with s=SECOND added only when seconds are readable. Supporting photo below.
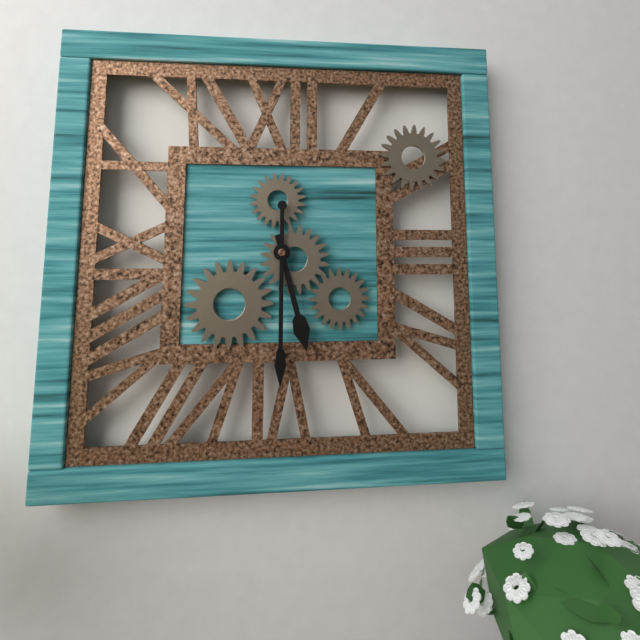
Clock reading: h=5 m=30
